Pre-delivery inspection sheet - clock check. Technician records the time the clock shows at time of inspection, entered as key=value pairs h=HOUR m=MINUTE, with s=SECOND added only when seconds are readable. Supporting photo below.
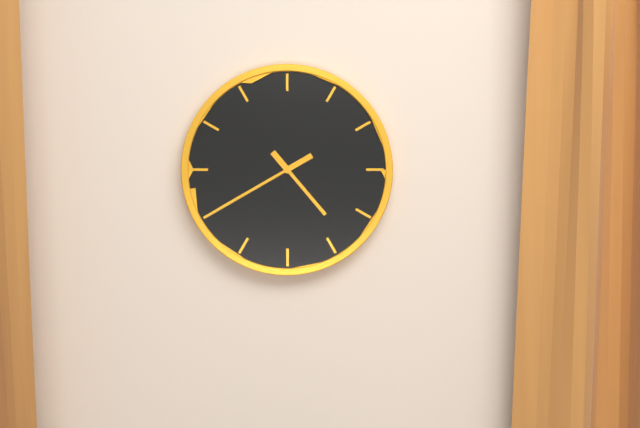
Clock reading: h=4 m=40
